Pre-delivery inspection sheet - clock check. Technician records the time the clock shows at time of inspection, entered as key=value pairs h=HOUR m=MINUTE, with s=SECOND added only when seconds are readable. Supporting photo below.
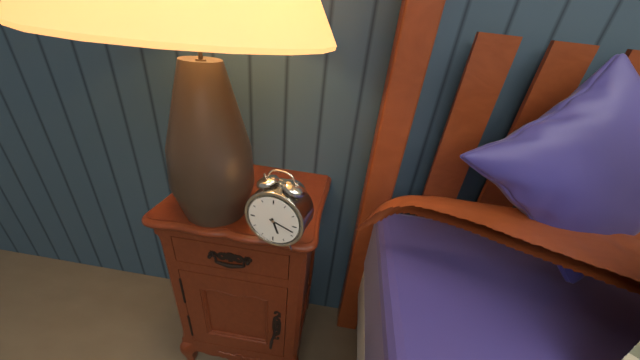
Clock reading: h=5 m=18
